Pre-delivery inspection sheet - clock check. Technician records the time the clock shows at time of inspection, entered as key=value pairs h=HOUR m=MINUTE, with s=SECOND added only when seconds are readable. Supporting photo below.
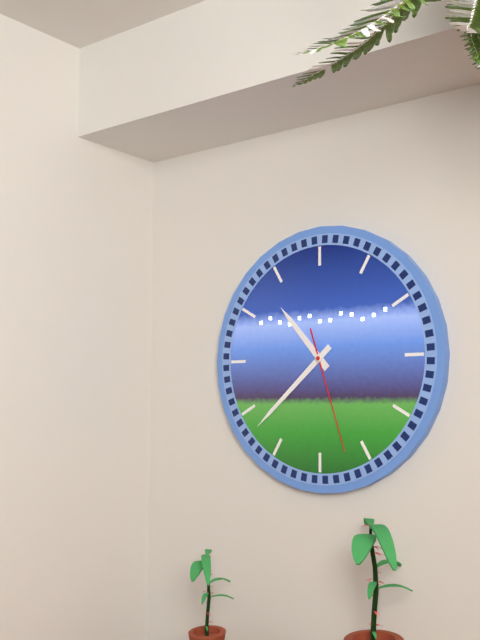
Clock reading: h=10 m=38 s=27
